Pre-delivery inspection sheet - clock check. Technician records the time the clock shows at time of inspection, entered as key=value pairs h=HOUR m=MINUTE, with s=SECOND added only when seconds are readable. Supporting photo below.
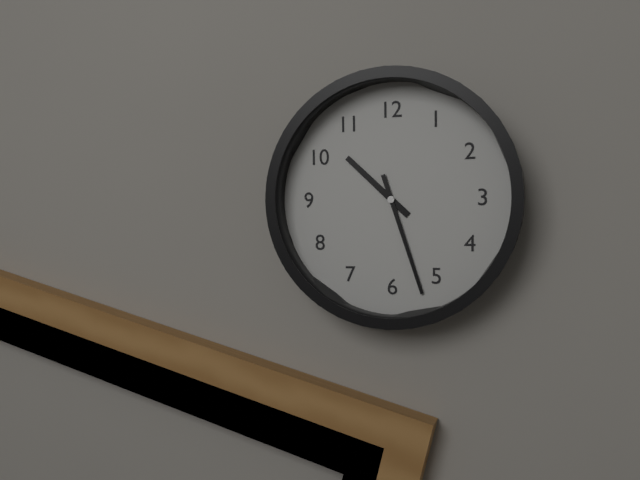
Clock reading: h=10 m=27
